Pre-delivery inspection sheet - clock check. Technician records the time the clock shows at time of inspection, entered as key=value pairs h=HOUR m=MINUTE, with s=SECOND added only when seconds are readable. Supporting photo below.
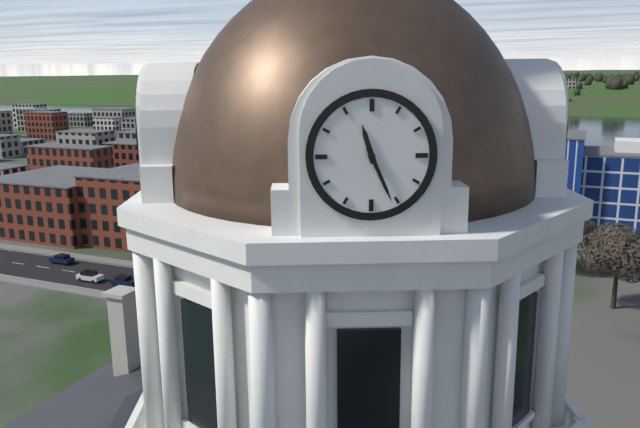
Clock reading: h=11 m=26
